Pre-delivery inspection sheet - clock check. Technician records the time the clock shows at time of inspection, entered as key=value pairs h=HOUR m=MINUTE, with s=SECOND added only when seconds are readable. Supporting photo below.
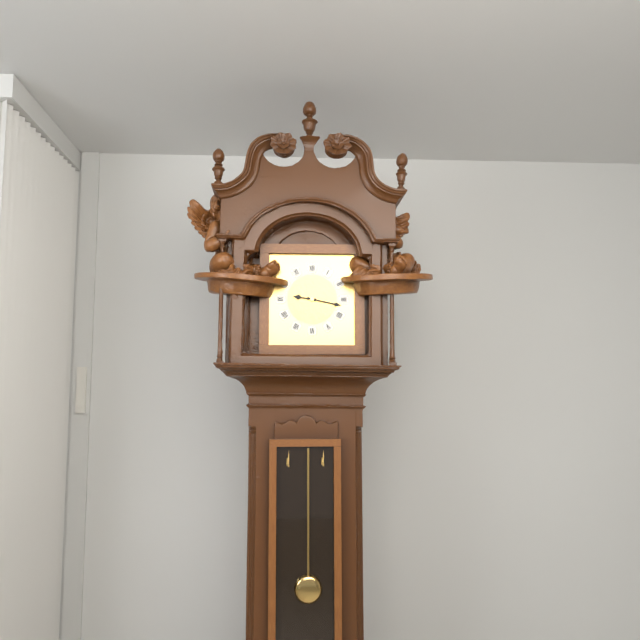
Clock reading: h=9 m=17
